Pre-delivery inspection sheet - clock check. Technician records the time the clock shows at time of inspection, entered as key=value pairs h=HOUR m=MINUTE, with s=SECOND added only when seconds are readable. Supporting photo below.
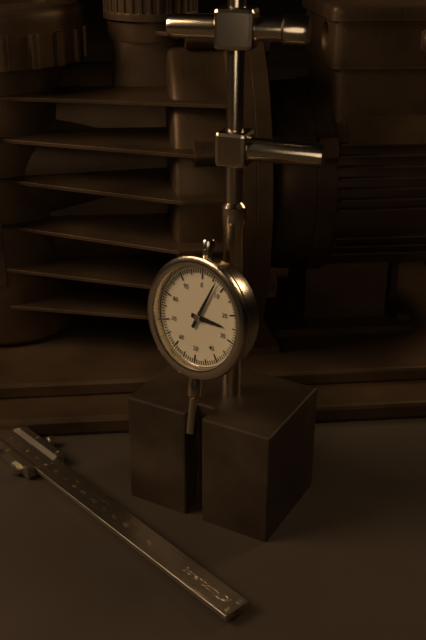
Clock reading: h=3 m=4
